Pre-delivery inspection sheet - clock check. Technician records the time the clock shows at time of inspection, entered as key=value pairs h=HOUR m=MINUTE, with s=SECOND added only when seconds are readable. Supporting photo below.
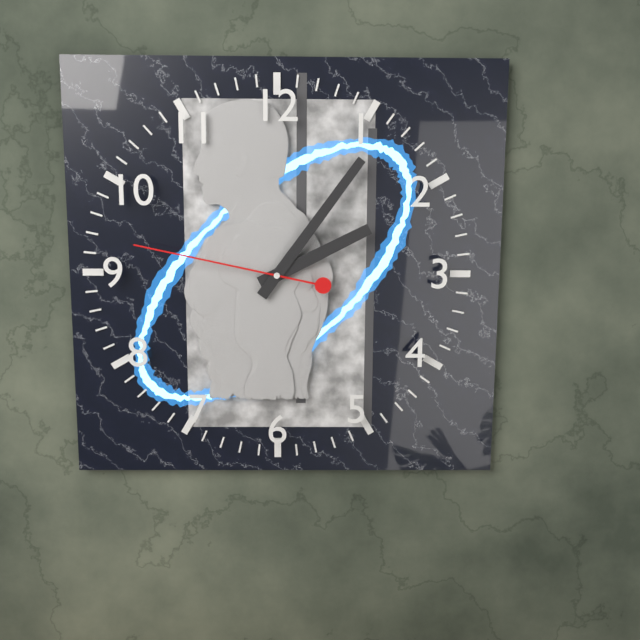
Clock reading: h=2 m=6 s=47
